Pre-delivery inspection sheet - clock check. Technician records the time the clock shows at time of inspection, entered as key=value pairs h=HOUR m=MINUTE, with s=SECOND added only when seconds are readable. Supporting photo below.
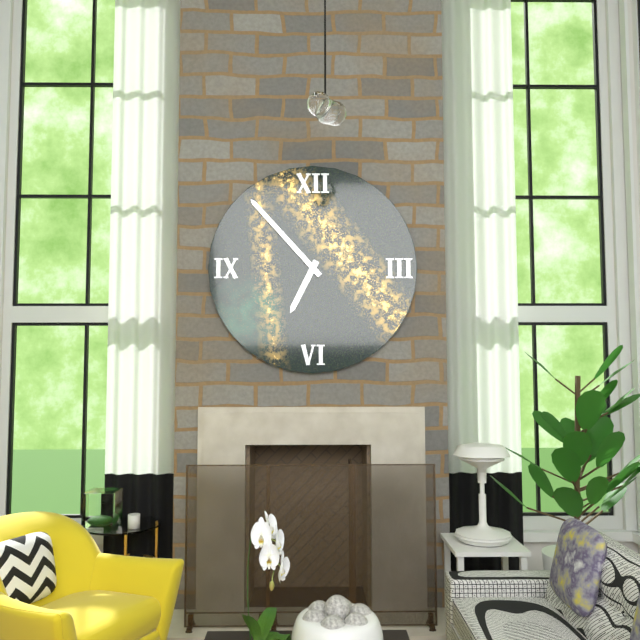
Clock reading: h=6 m=53
